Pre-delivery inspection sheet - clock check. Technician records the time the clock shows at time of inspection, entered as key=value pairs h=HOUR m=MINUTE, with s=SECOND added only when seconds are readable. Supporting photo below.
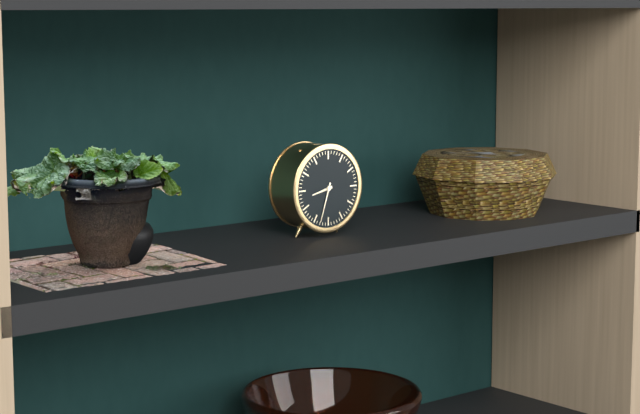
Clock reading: h=8 m=33
